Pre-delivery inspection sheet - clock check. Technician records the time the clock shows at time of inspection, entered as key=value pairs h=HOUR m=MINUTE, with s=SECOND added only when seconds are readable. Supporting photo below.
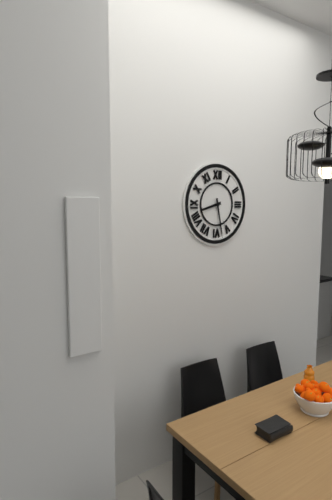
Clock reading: h=8 m=28
